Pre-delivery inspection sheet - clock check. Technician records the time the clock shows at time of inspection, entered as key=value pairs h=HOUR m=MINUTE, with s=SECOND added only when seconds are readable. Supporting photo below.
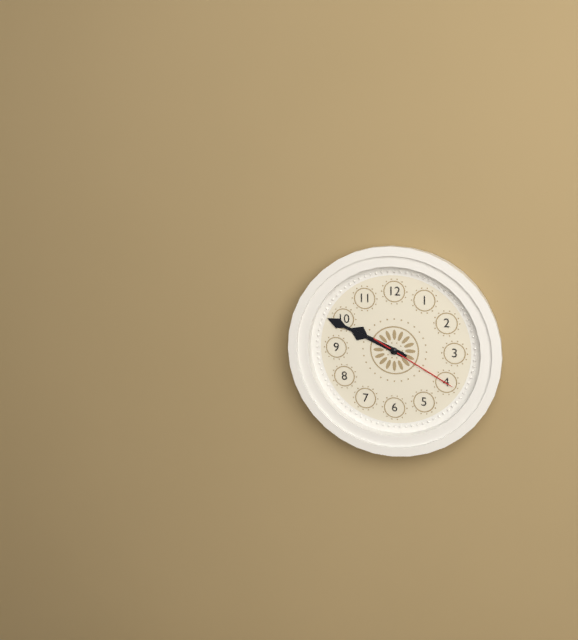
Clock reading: h=9 m=49 s=20
